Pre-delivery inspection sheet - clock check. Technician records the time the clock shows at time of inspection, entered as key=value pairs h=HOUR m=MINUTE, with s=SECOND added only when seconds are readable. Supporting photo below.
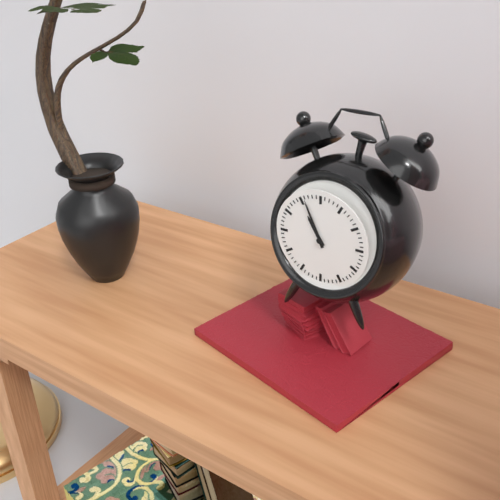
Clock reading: h=10 m=56
